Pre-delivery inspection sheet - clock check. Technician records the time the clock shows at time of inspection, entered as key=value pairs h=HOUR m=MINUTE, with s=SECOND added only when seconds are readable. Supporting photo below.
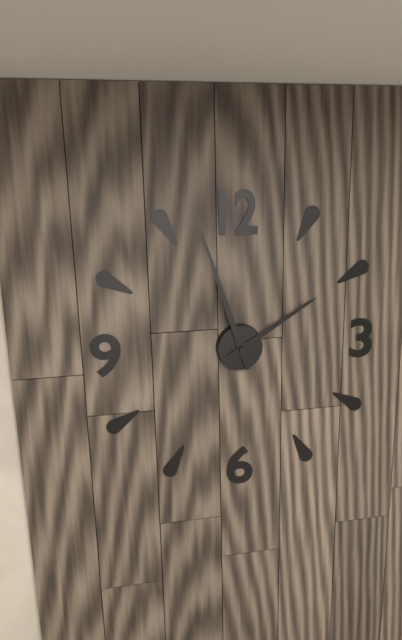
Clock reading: h=1 m=57
